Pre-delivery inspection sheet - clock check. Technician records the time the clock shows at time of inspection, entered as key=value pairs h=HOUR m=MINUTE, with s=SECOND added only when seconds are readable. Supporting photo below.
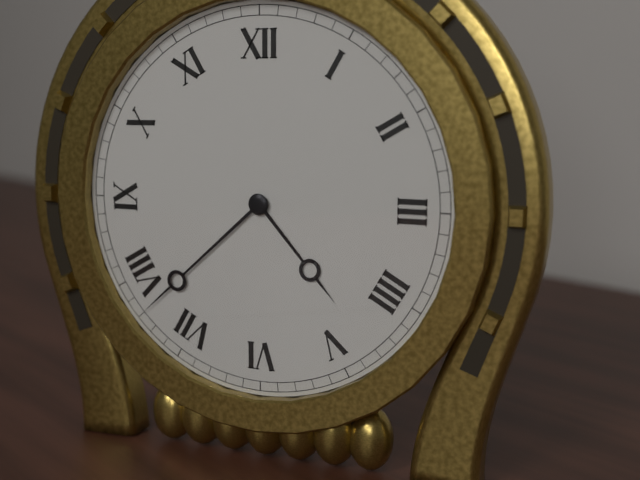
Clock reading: h=4 m=38
